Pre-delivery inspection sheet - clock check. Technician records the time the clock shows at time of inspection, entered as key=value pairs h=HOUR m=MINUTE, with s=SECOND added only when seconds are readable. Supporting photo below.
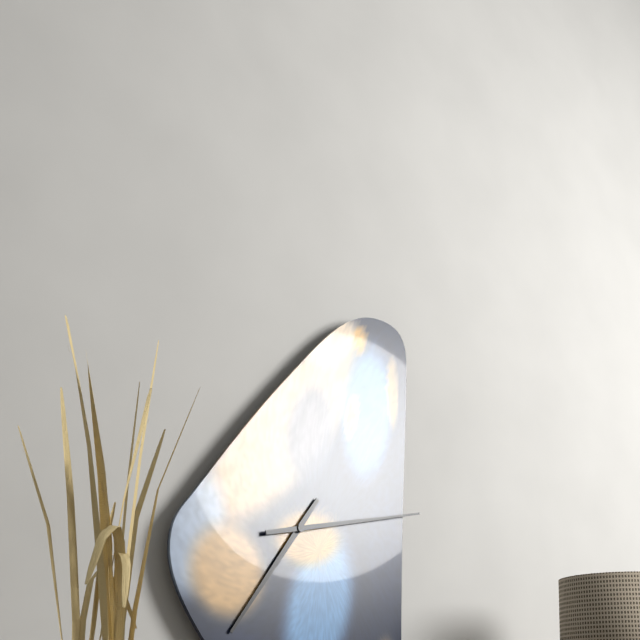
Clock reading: h=7 m=13
